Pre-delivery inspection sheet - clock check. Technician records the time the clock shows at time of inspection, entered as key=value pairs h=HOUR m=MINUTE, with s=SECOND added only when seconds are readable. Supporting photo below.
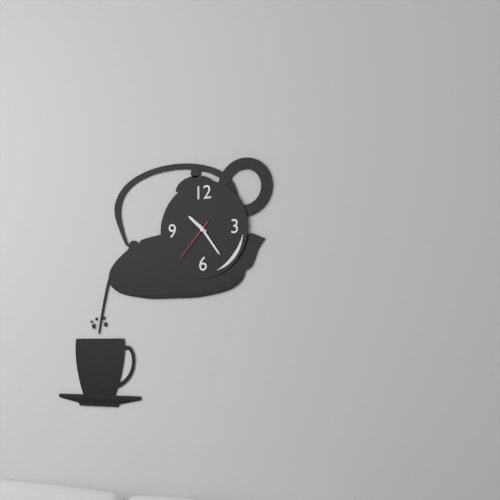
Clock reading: h=10 m=24
